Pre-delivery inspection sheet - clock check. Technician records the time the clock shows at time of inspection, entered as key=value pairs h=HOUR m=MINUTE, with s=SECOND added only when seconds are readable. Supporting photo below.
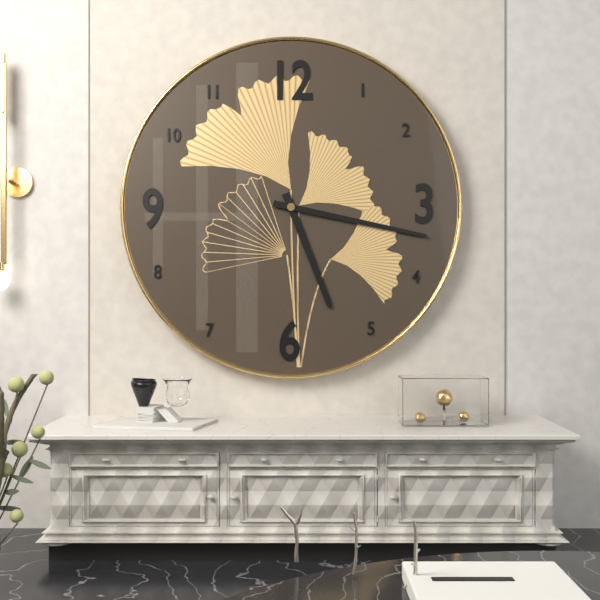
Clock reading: h=5 m=17
